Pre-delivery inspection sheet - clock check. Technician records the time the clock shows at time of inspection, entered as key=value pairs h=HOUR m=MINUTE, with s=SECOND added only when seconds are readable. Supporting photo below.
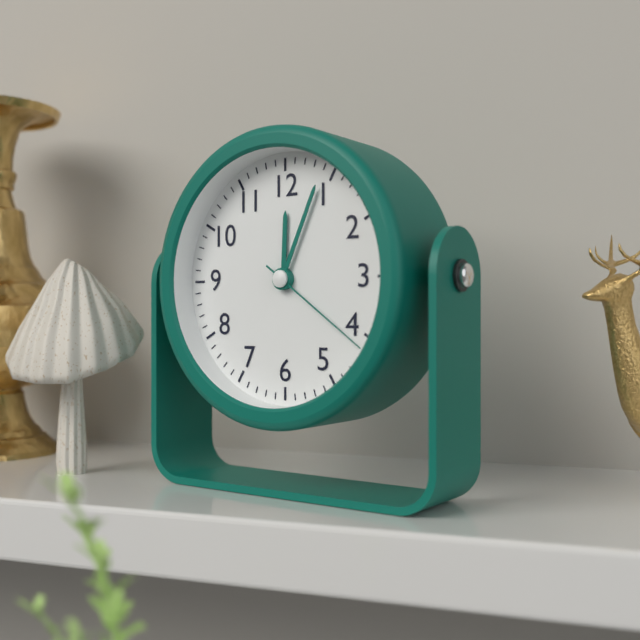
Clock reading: h=12 m=4 s=21
